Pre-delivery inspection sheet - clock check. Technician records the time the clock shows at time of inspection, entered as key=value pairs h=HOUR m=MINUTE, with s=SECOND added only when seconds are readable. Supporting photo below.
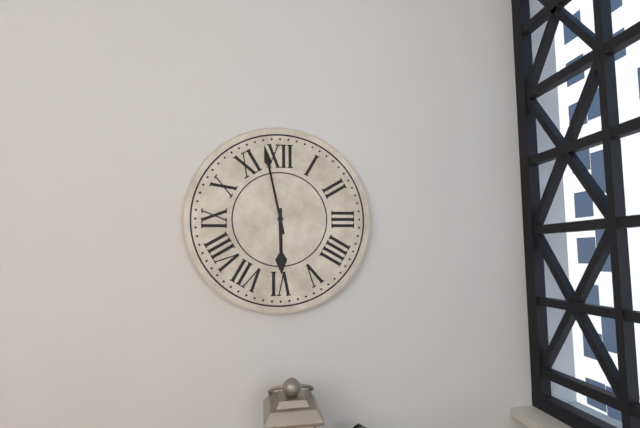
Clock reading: h=5 m=58
